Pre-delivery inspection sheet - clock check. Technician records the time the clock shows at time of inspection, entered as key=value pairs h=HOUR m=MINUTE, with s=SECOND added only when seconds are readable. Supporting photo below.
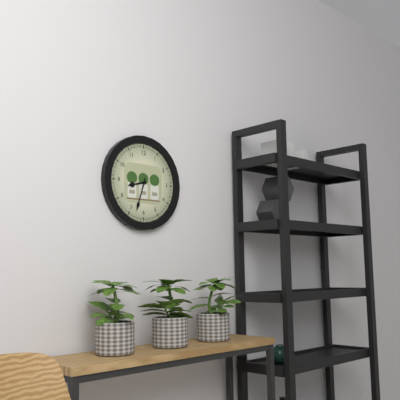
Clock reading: h=8 m=33
